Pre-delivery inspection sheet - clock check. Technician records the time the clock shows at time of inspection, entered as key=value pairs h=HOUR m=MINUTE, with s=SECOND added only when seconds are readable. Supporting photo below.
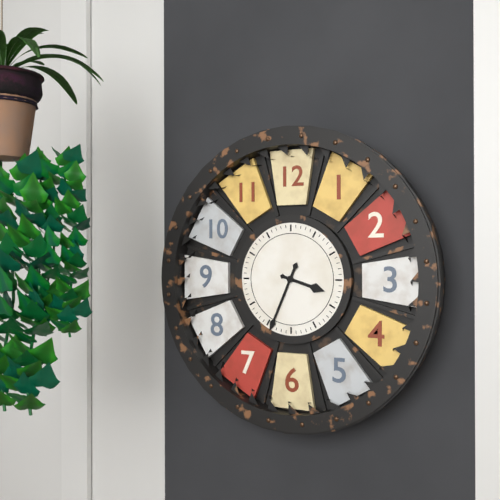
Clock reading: h=3 m=34
